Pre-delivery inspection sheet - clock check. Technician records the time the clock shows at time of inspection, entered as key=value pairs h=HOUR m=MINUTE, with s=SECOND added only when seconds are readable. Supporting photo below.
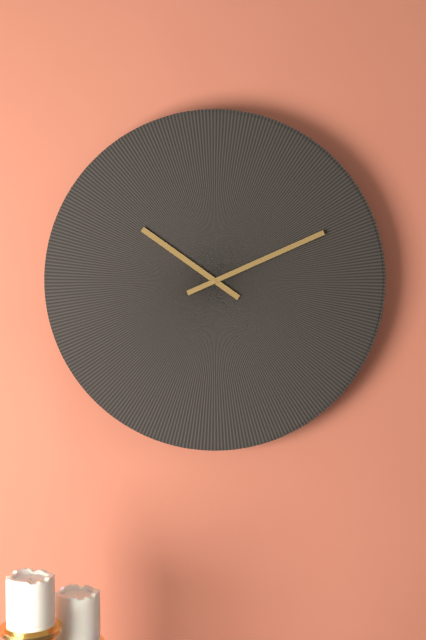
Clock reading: h=10 m=11
